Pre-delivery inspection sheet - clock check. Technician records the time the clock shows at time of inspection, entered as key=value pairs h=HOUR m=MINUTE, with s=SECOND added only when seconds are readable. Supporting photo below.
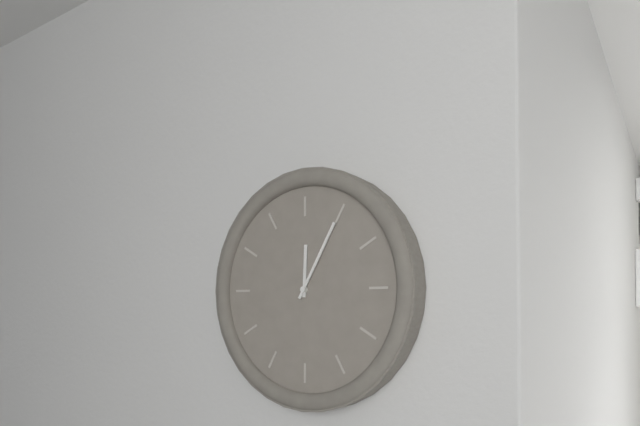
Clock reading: h=12 m=5
